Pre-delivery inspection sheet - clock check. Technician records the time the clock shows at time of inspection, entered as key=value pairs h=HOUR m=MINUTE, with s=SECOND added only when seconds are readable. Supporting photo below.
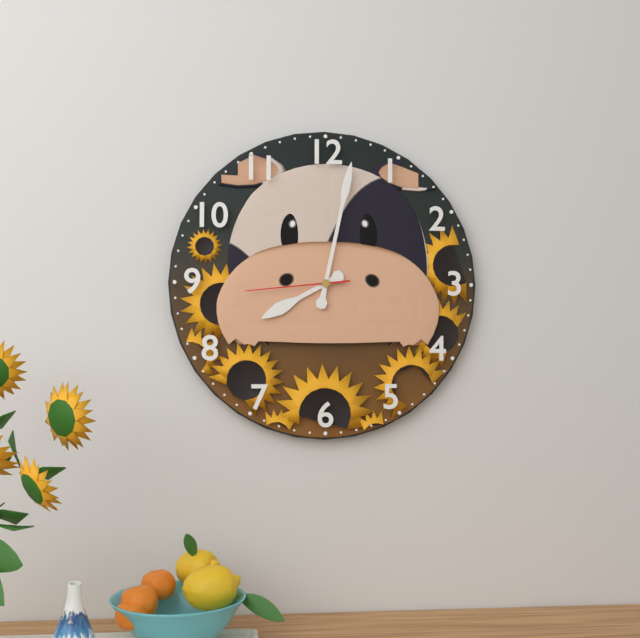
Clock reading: h=8 m=2 s=44
